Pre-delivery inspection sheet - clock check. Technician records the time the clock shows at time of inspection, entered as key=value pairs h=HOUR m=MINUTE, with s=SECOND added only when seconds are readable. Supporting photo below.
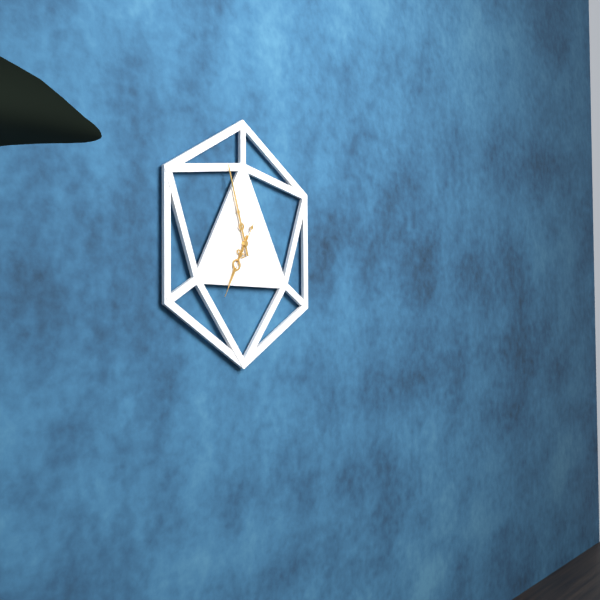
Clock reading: h=6 m=57 s=35
